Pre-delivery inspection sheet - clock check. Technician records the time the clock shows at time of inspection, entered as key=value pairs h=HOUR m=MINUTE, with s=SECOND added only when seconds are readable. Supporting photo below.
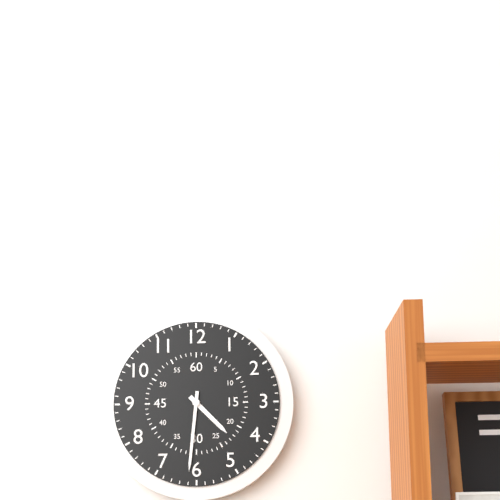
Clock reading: h=4 m=31
